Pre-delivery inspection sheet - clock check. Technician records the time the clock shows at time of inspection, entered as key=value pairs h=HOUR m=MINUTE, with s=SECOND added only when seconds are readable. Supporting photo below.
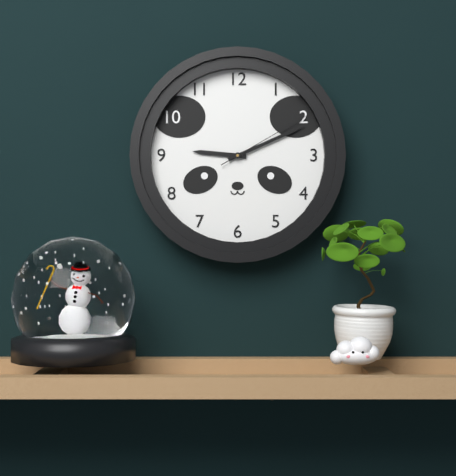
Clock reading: h=9 m=11 s=10
